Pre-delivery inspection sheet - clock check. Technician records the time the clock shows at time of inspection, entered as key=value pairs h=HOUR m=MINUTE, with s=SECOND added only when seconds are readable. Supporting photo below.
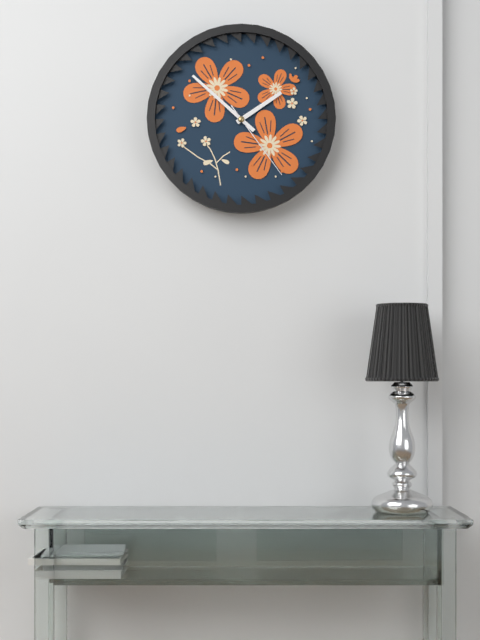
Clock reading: h=1 m=52 s=24
